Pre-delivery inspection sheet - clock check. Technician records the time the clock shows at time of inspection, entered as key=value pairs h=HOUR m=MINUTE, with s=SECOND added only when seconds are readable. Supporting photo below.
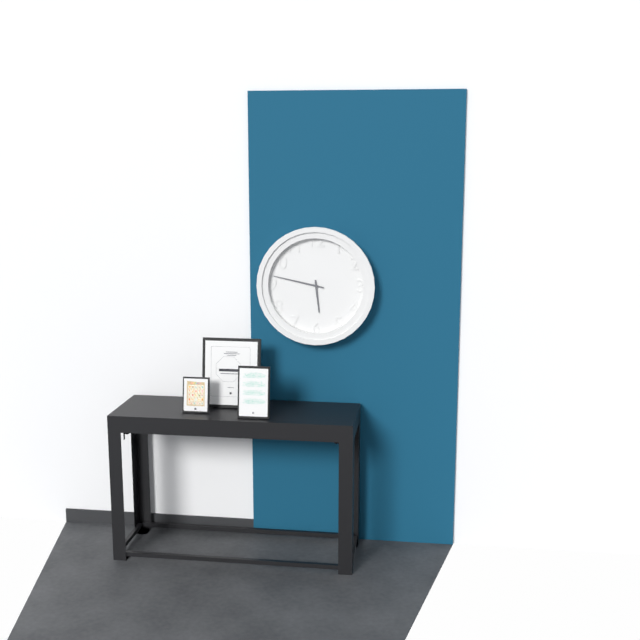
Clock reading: h=5 m=47
